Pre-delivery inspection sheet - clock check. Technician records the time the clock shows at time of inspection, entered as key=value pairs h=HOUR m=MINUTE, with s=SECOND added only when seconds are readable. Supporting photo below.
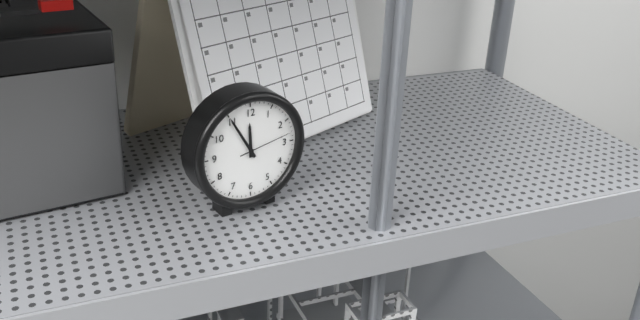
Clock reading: h=11 m=55 s=13
